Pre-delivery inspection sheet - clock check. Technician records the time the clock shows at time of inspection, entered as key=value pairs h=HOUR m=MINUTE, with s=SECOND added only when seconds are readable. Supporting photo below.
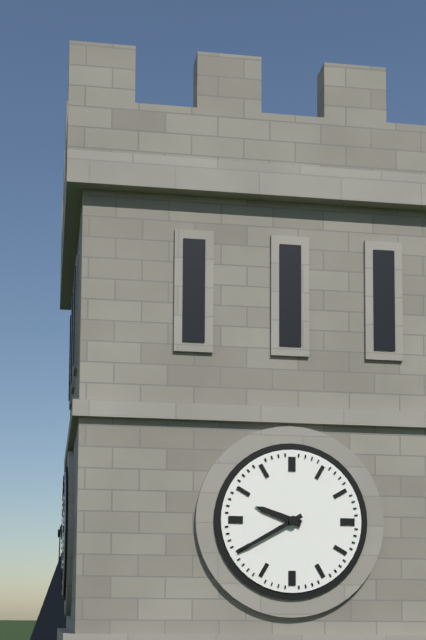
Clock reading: h=9 m=40
